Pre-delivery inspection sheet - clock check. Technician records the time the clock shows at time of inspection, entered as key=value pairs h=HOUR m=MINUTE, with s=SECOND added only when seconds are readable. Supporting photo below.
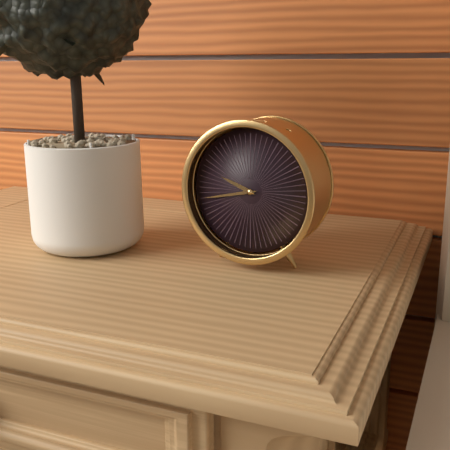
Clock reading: h=9 m=43
